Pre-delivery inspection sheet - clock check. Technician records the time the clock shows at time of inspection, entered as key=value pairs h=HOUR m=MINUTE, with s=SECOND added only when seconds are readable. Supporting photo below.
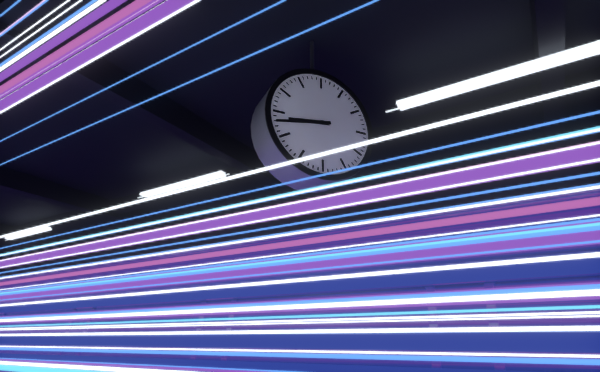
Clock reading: h=8 m=43
